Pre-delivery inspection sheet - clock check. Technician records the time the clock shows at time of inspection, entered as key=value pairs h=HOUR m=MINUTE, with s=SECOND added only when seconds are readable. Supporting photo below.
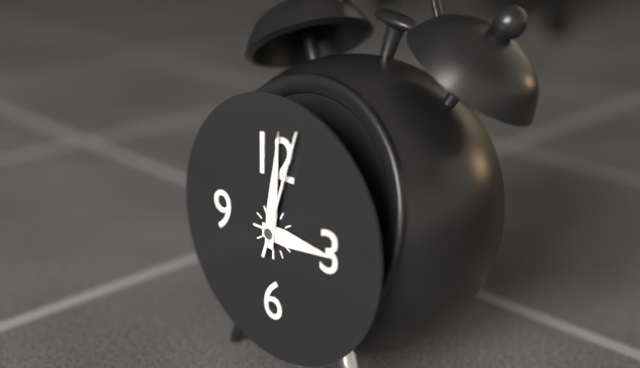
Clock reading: h=3 m=1 s=3
